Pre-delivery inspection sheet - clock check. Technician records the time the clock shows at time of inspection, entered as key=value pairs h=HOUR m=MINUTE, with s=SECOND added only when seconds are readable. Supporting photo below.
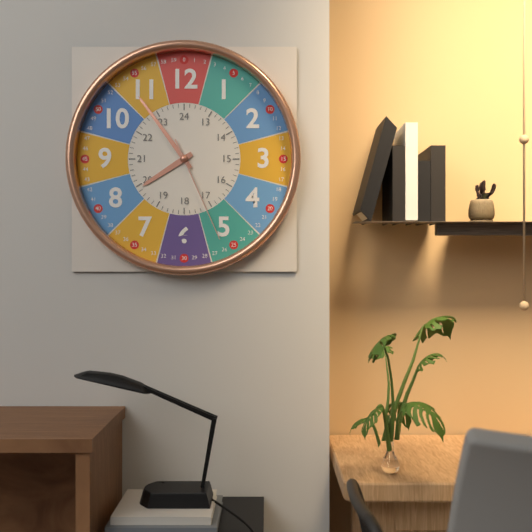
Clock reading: h=7 m=54 s=26
